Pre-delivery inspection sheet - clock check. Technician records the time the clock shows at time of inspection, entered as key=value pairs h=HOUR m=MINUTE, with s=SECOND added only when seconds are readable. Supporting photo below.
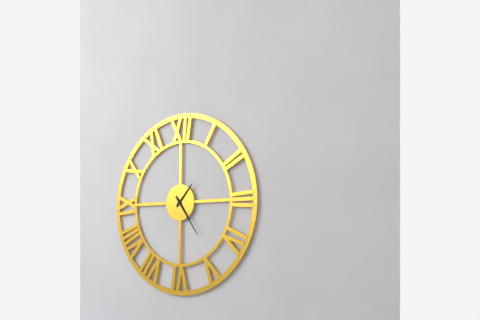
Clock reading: h=1 m=24
